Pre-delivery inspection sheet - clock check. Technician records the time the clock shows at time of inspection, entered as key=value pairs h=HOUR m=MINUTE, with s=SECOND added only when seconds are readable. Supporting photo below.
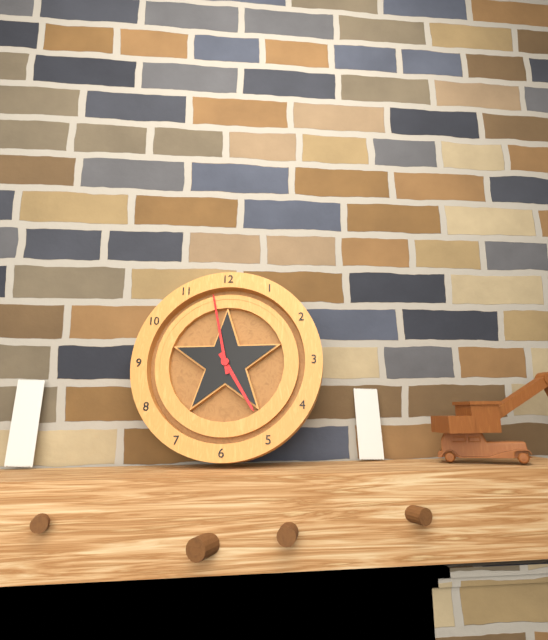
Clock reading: h=4 m=58
